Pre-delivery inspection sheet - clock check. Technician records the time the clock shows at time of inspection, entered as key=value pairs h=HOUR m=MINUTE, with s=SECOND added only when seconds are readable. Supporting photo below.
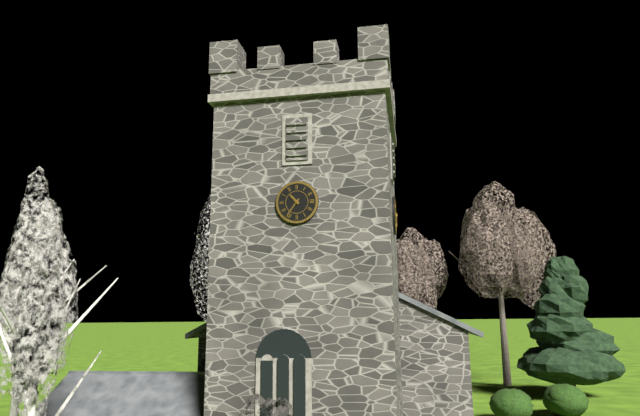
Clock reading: h=10 m=36
